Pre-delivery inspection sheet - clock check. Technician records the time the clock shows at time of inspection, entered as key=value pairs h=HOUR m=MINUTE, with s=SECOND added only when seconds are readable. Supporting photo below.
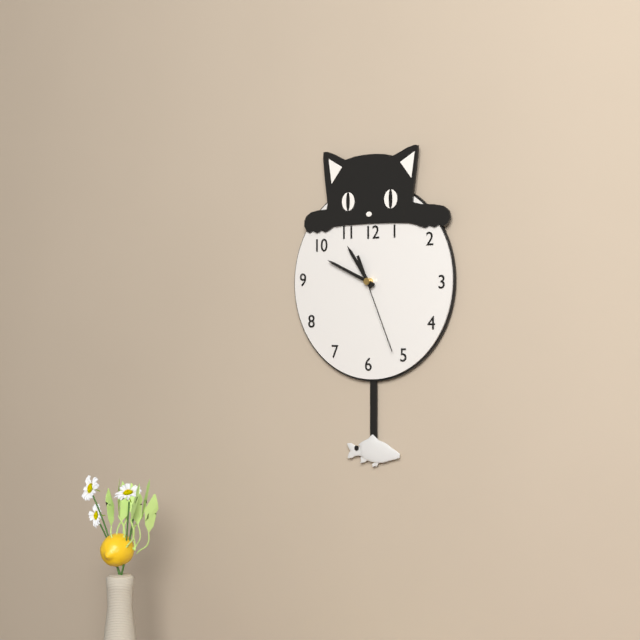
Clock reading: h=10 m=49 s=26
